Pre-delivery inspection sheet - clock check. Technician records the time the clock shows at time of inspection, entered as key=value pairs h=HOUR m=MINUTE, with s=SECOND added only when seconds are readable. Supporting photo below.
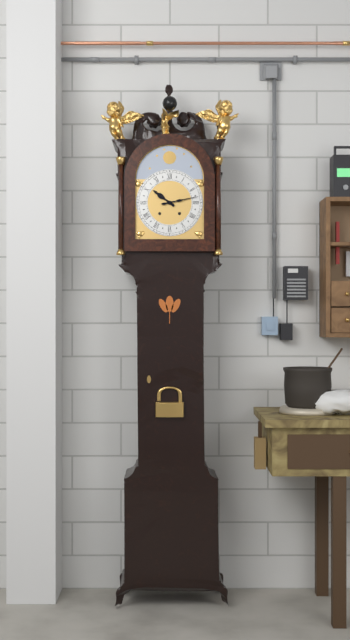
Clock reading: h=10 m=13
